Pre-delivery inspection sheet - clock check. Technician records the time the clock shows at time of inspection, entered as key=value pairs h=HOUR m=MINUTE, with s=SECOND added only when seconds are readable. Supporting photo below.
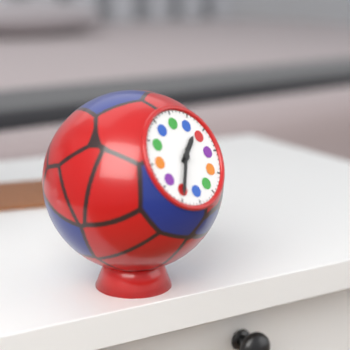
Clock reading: h=1 m=35
